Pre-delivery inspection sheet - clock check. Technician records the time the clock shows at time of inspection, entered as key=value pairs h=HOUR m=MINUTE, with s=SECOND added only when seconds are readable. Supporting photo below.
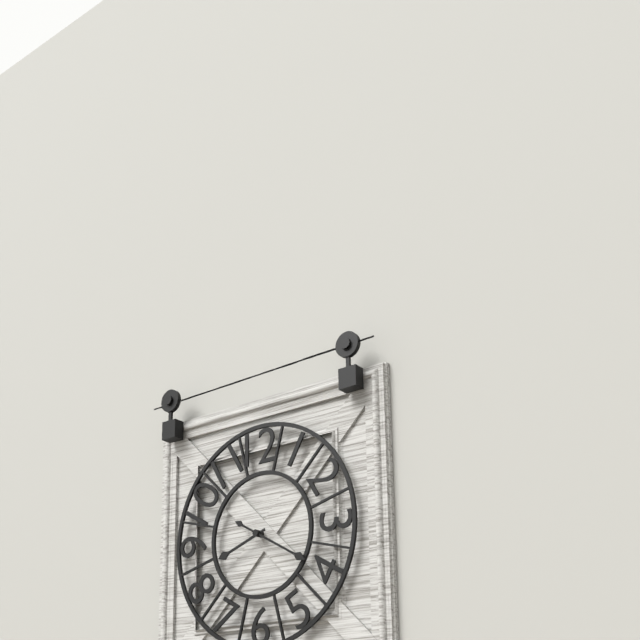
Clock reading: h=8 m=20
